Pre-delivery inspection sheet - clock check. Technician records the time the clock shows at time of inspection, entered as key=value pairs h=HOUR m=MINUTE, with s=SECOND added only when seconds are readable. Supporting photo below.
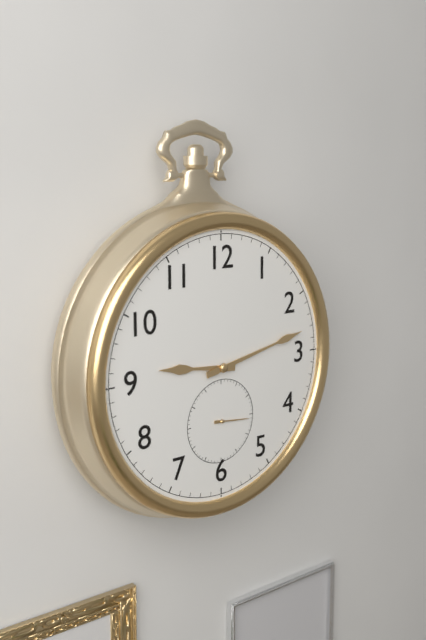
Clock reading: h=9 m=13
